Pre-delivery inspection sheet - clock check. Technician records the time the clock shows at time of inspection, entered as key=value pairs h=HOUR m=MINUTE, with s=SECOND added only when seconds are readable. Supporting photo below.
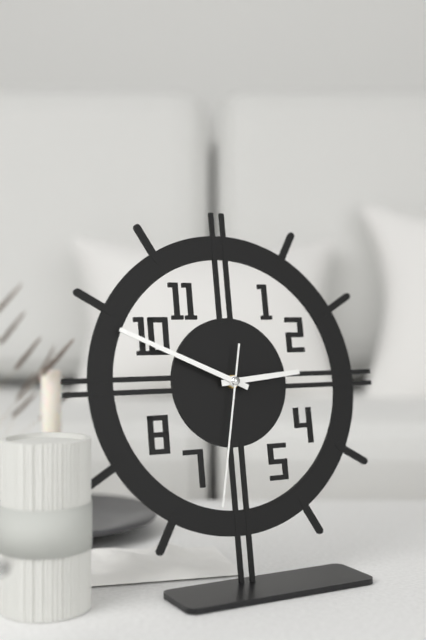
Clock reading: h=2 m=49 s=32
